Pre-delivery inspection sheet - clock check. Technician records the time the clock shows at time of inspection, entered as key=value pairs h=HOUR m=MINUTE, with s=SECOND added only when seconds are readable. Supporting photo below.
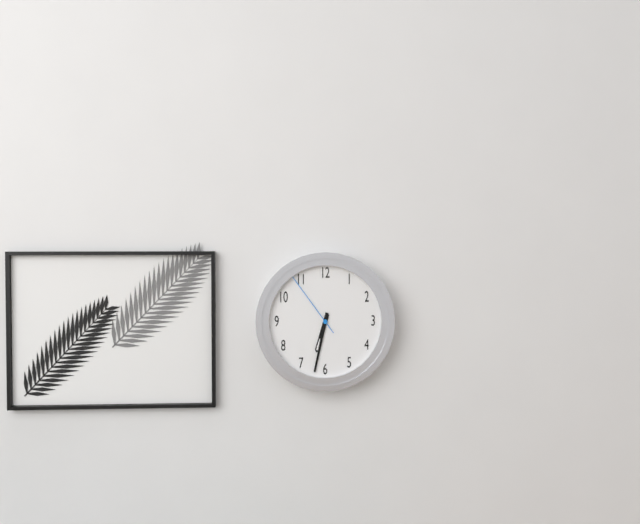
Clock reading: h=6 m=32 s=54
